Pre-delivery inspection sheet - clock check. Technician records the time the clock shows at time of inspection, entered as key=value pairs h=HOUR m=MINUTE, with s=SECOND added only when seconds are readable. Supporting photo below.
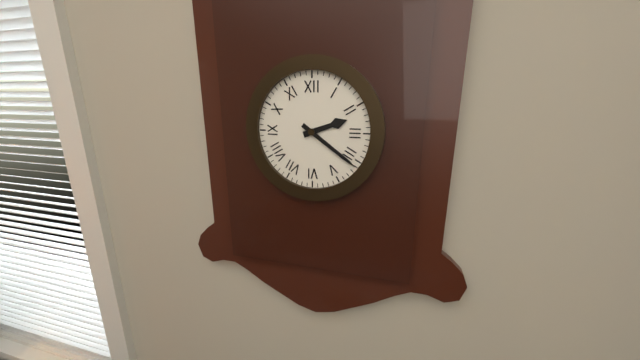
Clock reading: h=2 m=21
